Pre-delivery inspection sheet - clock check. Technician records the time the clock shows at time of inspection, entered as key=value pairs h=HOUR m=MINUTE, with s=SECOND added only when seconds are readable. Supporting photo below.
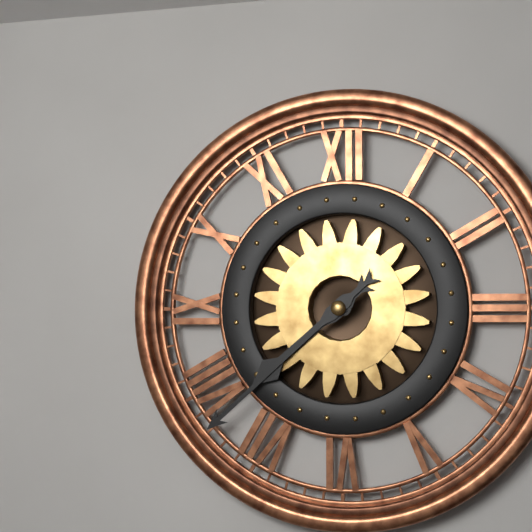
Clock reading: h=7 m=38
